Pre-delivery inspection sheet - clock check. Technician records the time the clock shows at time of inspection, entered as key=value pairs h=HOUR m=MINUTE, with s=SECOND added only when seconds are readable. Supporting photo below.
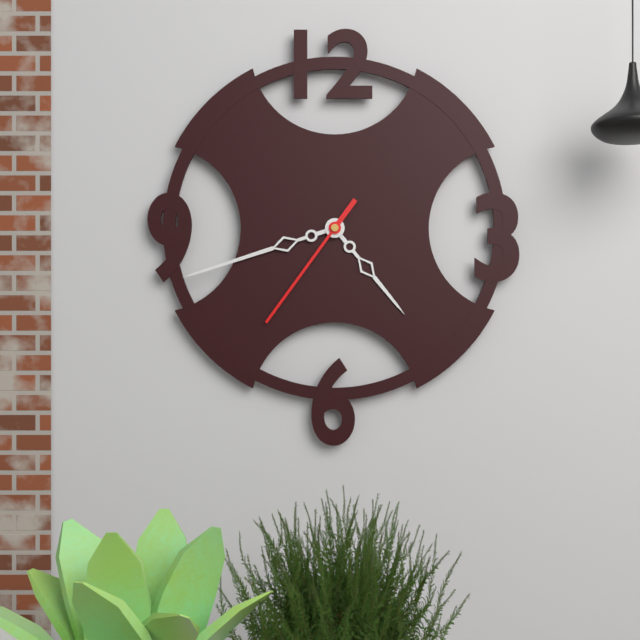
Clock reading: h=4 m=42 s=36
